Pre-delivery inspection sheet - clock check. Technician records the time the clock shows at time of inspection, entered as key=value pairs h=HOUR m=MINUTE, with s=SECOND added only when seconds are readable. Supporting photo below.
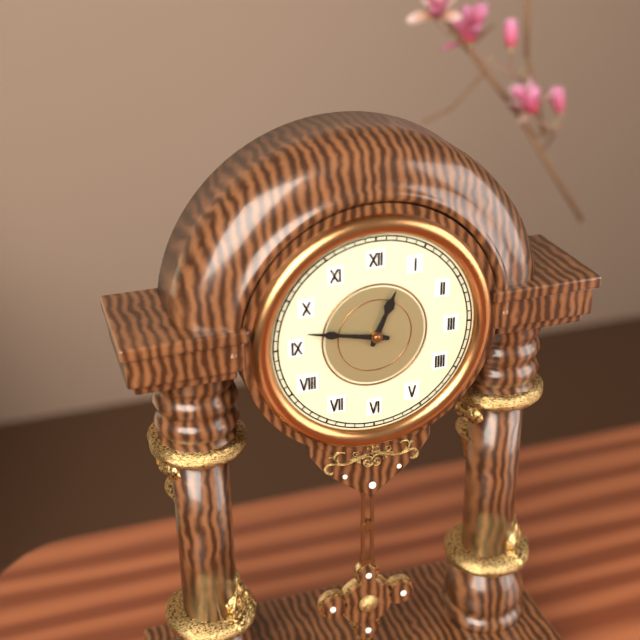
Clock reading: h=12 m=47
